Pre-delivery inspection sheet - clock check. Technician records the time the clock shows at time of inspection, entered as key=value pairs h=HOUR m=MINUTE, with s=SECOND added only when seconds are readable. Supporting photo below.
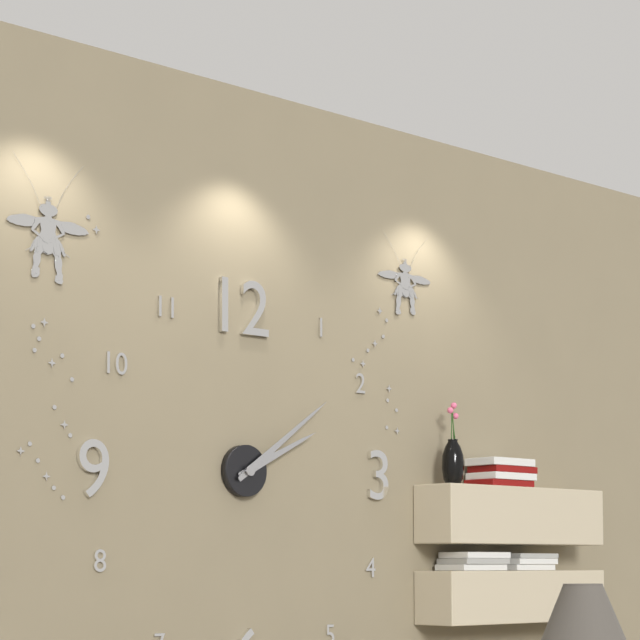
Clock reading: h=2 m=9
